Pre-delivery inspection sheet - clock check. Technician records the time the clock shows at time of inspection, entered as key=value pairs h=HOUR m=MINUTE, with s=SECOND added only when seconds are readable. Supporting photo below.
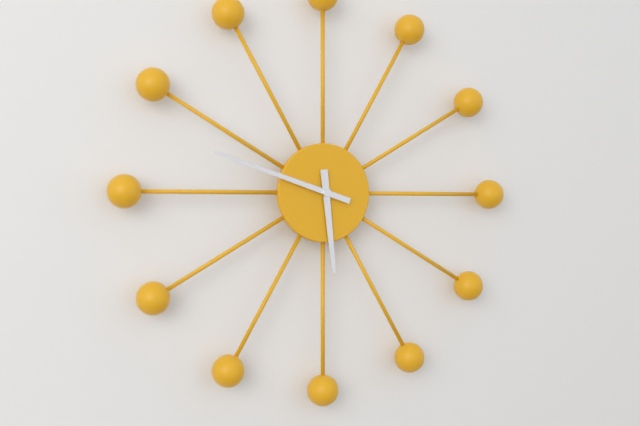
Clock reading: h=5 m=48
